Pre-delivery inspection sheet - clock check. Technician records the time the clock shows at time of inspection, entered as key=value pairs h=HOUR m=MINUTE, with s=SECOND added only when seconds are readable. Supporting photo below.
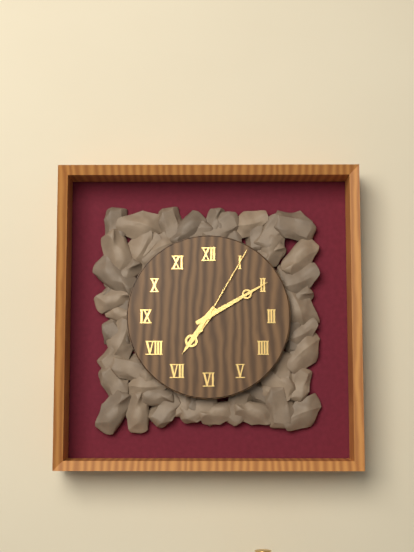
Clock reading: h=7 m=10 s=5
